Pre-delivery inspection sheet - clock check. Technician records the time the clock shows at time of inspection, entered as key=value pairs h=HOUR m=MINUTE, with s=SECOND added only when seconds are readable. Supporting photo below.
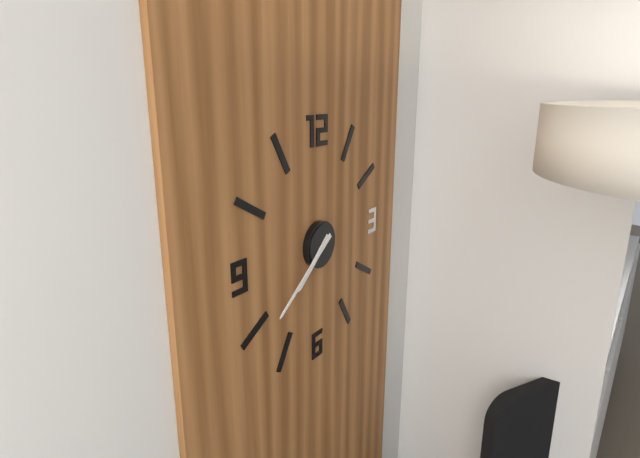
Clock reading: h=7 m=39
